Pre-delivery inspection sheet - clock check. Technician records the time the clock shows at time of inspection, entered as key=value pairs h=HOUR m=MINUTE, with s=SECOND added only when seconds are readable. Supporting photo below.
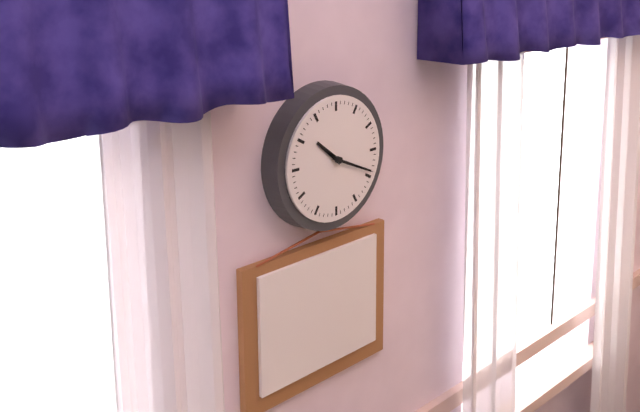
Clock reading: h=10 m=19
